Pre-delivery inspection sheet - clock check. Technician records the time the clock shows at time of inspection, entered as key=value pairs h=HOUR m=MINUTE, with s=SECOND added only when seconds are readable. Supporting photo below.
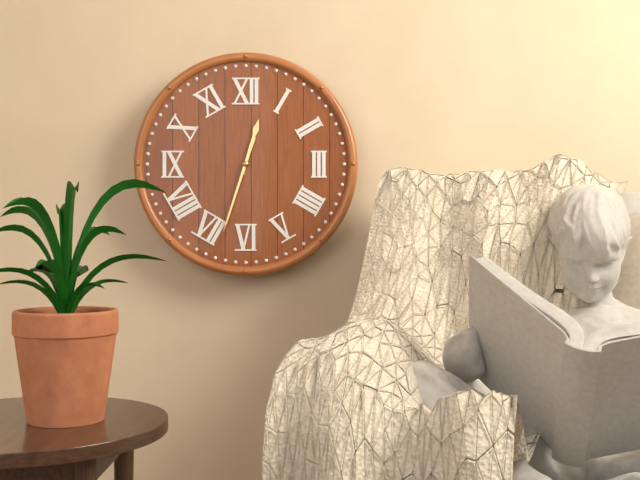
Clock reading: h=12 m=33
